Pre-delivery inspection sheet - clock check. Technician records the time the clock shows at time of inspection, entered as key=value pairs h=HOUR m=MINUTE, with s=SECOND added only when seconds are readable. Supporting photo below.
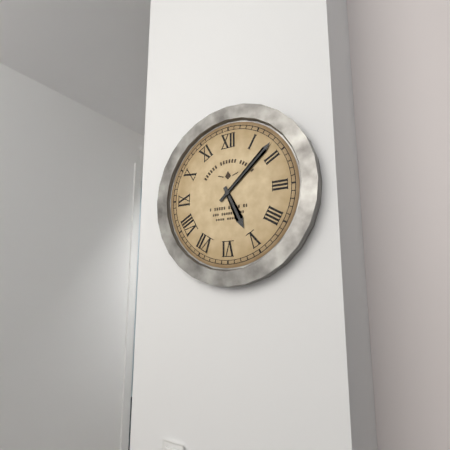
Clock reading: h=5 m=8
